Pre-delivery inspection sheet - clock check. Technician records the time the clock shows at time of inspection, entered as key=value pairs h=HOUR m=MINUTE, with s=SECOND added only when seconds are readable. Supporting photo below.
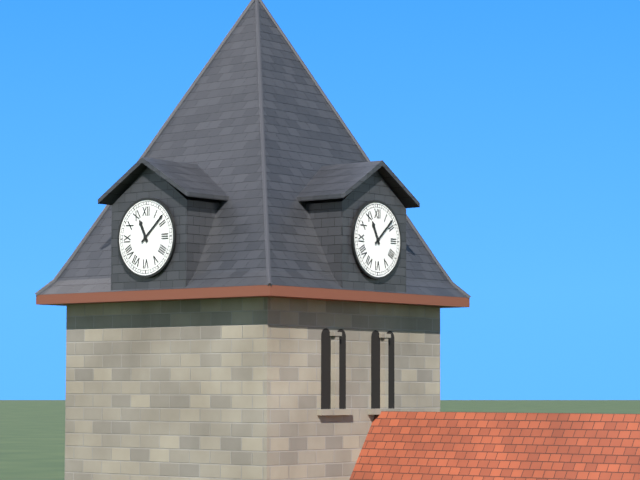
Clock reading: h=11 m=8
